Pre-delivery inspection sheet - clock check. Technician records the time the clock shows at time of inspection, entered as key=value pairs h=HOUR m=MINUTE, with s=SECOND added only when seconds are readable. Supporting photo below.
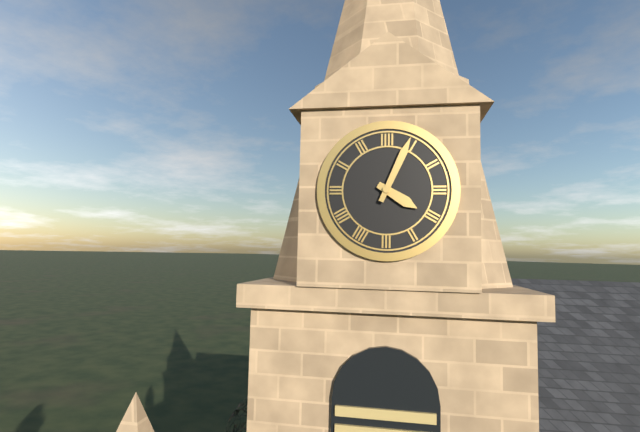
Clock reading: h=4 m=4
